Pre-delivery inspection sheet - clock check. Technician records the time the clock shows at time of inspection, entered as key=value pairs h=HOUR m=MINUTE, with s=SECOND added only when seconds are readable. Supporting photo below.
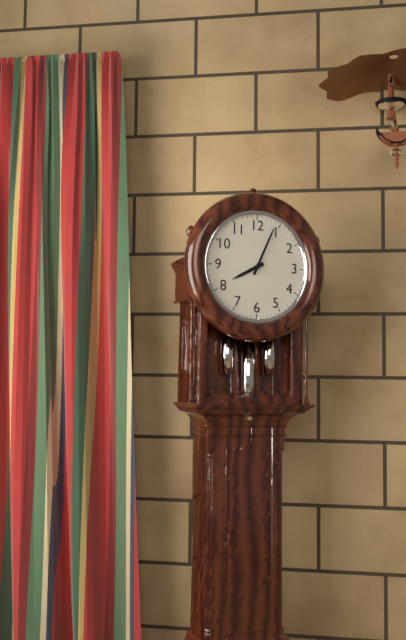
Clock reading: h=8 m=4
